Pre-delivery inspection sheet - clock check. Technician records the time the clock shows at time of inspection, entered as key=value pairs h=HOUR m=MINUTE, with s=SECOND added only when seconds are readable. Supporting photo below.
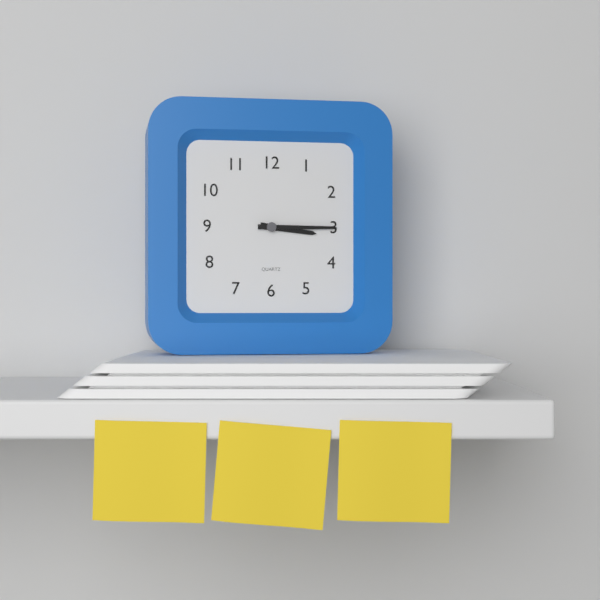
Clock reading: h=3 m=15
